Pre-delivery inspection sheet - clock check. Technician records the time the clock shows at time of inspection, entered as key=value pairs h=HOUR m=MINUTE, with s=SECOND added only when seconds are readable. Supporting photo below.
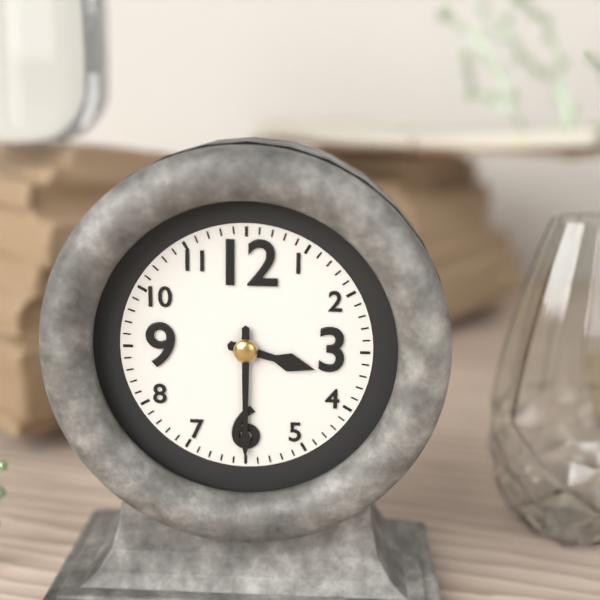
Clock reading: h=3 m=30
